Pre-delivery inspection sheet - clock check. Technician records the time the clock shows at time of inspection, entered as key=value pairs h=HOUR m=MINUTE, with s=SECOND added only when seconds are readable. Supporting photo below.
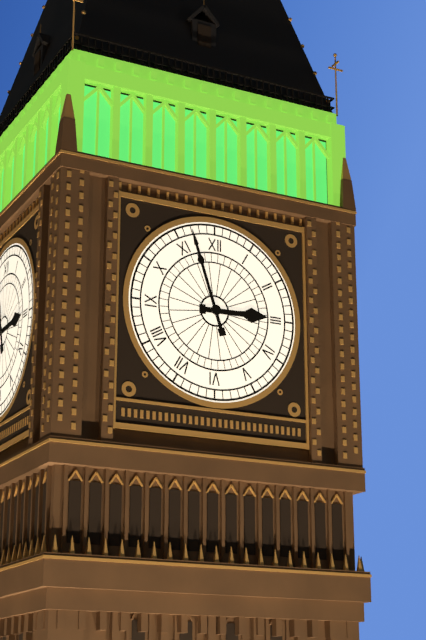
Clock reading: h=2 m=57
